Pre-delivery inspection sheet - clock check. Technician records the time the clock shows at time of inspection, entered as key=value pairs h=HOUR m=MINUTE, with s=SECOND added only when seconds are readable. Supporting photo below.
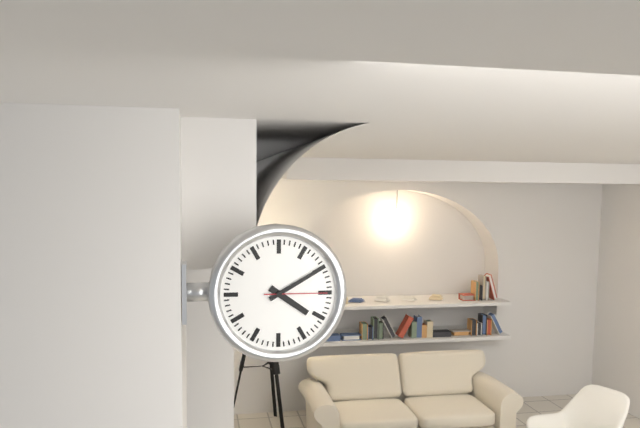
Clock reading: h=4 m=10 s=15
